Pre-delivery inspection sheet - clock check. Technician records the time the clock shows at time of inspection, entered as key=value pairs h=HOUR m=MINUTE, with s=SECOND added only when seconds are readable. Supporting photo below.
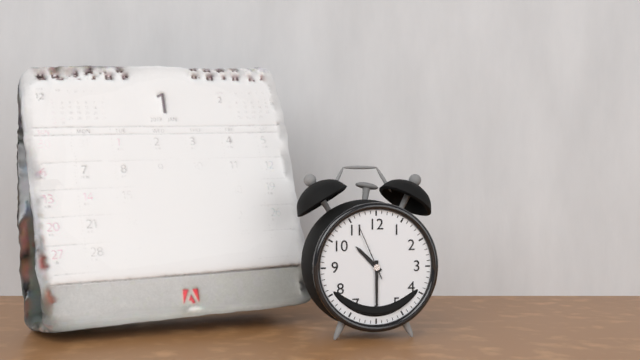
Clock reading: h=10 m=30 s=56
